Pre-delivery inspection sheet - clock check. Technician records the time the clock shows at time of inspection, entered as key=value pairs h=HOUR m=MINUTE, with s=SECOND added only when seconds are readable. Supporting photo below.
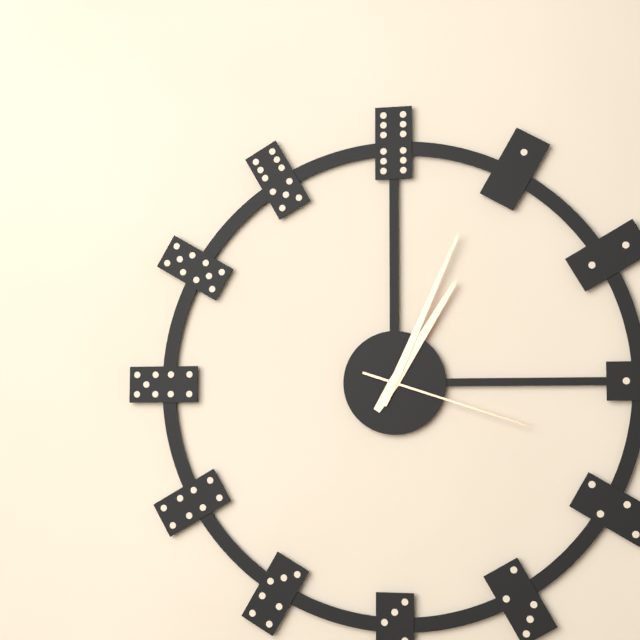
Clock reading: h=1 m=4 s=18
